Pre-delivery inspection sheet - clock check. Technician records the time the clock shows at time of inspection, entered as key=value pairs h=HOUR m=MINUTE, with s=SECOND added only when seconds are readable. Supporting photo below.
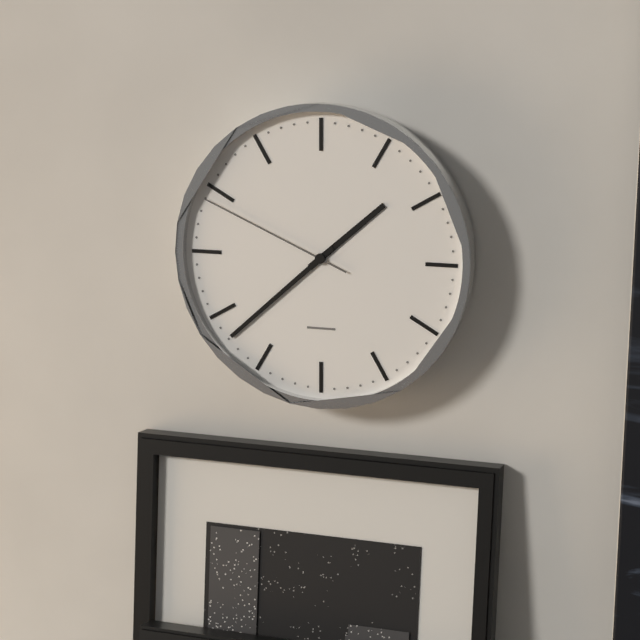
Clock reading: h=1 m=38 s=49
